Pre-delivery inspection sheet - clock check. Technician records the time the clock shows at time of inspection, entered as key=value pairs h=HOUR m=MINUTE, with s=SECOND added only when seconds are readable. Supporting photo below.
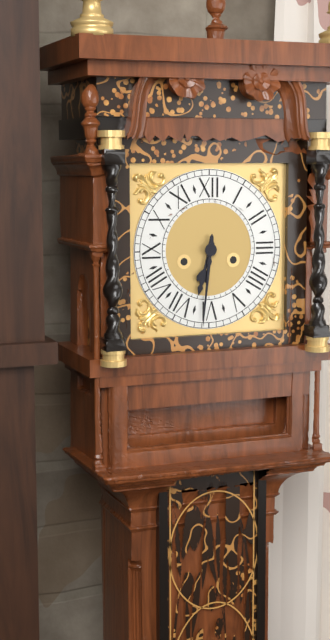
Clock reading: h=6 m=31
